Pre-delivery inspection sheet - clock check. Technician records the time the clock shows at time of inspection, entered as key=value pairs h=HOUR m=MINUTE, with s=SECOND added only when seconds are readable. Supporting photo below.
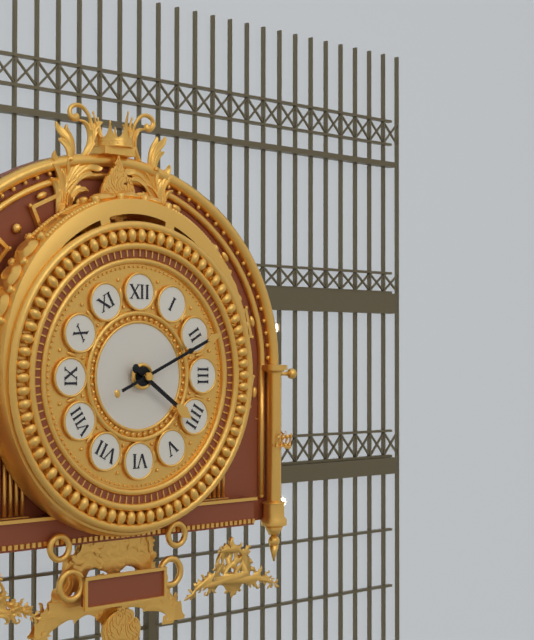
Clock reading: h=4 m=11
